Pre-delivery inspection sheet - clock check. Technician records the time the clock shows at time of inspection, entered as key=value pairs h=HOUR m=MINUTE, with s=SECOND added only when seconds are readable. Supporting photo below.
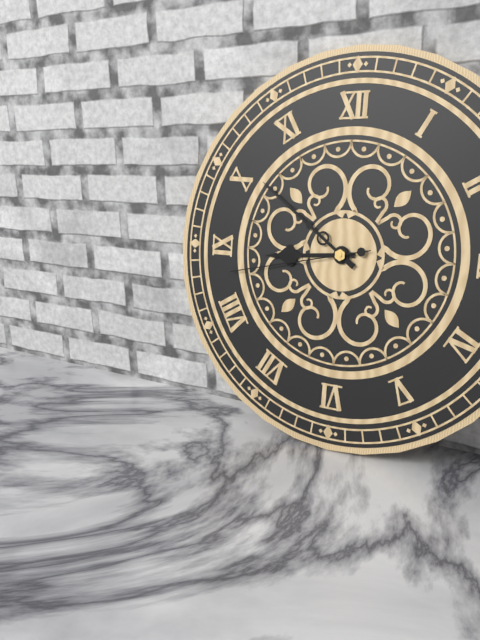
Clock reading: h=8 m=51 s=43
